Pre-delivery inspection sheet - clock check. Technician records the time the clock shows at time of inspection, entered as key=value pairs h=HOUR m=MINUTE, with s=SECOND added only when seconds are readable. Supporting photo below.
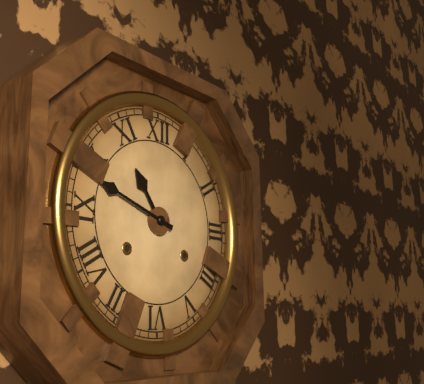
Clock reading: h=10 m=48
